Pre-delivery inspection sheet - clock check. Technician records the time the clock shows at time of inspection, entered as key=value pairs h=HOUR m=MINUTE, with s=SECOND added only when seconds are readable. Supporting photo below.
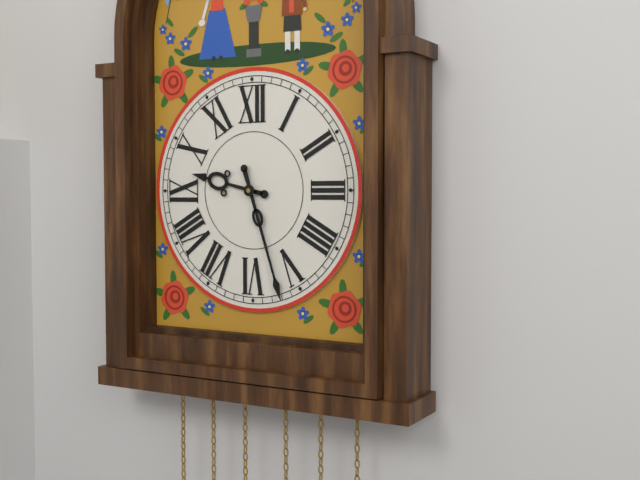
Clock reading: h=9 m=27
